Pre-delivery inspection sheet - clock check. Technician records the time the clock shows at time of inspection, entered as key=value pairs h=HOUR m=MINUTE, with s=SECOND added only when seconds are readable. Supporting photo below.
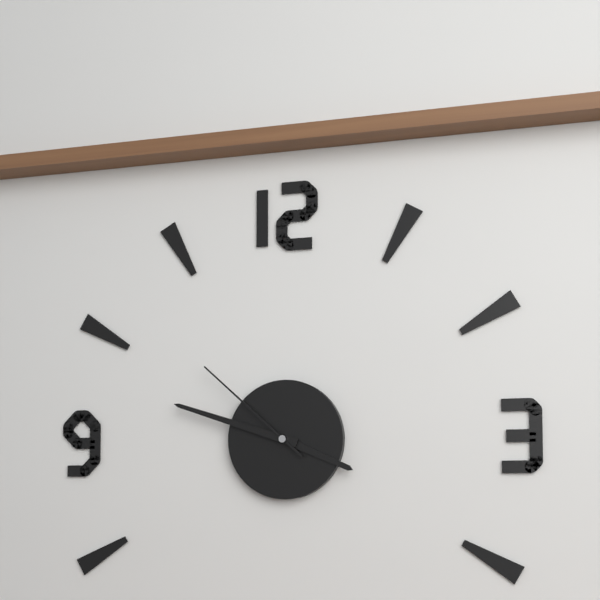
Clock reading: h=3 m=48 s=52
